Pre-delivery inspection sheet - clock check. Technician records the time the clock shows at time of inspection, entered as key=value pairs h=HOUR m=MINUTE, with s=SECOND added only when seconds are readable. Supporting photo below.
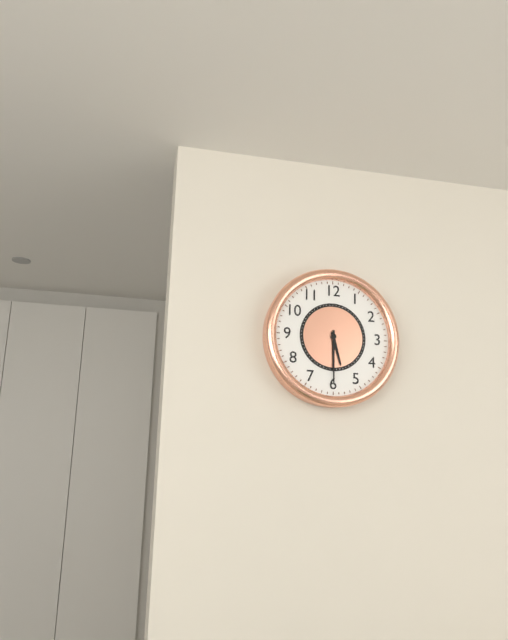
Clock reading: h=5 m=30
